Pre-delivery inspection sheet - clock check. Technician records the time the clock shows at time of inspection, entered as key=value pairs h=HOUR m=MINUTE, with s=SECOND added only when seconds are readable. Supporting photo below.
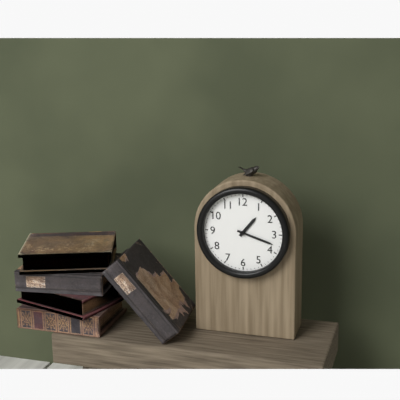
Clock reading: h=1 m=18
